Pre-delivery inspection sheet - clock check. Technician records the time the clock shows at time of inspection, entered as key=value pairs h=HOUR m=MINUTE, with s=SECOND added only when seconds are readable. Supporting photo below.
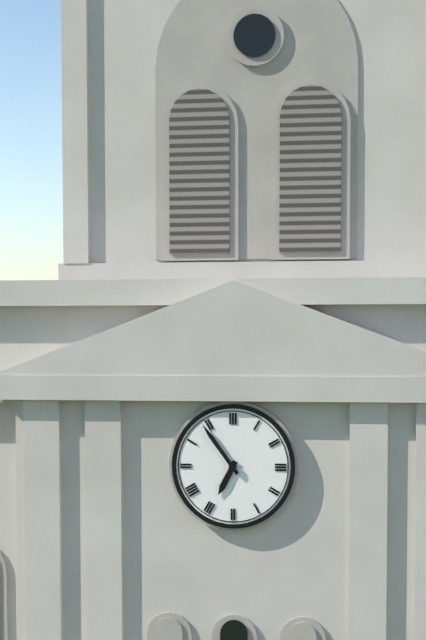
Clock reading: h=6 m=54
